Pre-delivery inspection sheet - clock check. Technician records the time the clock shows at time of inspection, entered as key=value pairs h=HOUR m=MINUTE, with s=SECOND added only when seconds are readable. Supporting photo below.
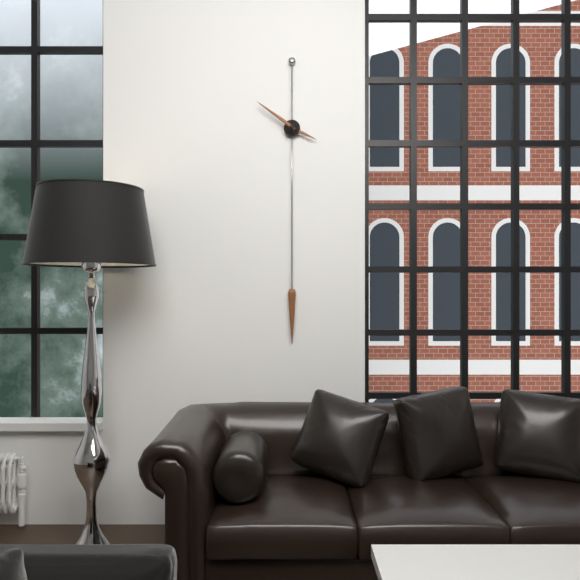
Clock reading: h=3 m=51
